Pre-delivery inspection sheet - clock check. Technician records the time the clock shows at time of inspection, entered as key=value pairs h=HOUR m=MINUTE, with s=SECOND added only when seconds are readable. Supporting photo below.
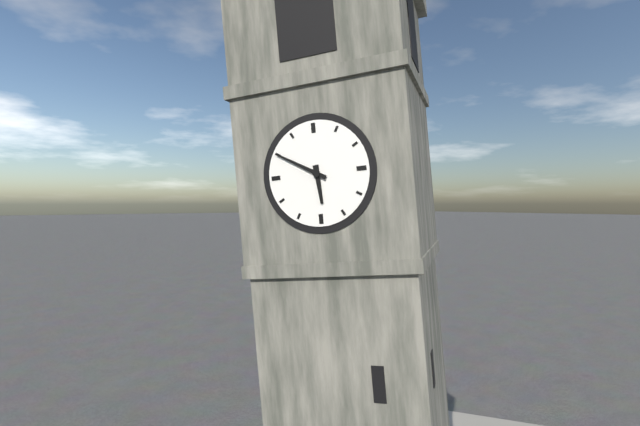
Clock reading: h=5 m=50
